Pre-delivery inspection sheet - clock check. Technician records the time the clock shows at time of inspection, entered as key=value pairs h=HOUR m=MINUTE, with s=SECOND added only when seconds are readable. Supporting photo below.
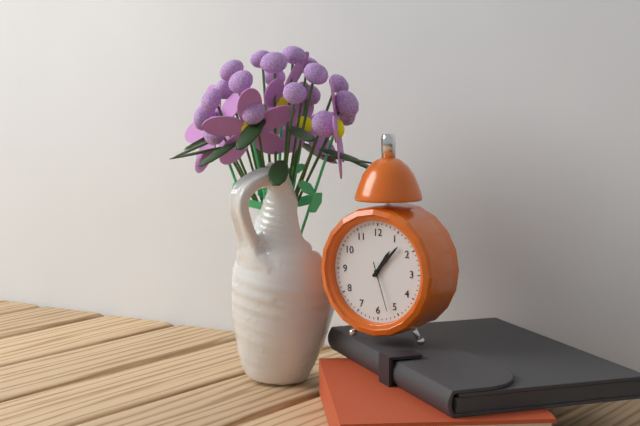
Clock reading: h=1 m=7 s=27
